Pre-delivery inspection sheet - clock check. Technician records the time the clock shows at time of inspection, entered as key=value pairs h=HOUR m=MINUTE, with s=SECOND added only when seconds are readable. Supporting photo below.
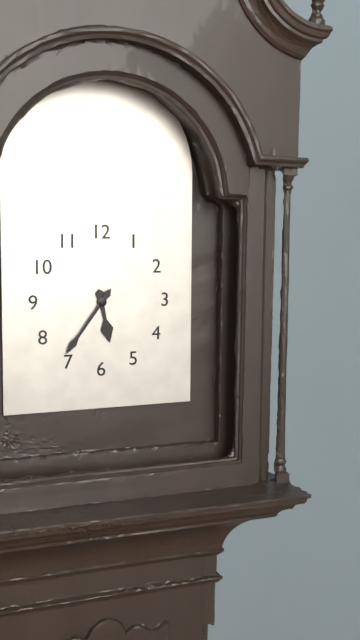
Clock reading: h=5 m=36
